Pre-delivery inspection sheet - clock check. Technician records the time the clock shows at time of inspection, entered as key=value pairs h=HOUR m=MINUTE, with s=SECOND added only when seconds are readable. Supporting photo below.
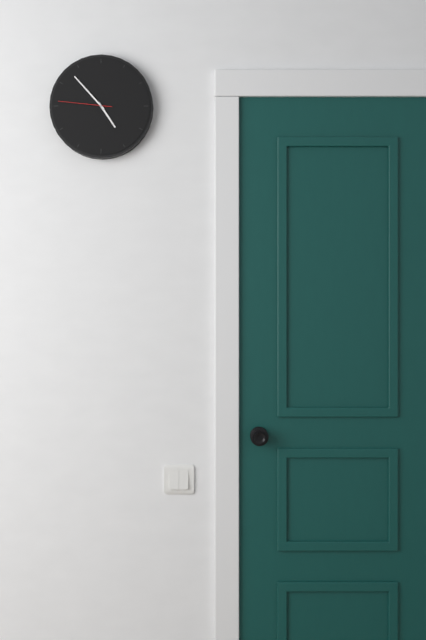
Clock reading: h=4 m=53 s=46
